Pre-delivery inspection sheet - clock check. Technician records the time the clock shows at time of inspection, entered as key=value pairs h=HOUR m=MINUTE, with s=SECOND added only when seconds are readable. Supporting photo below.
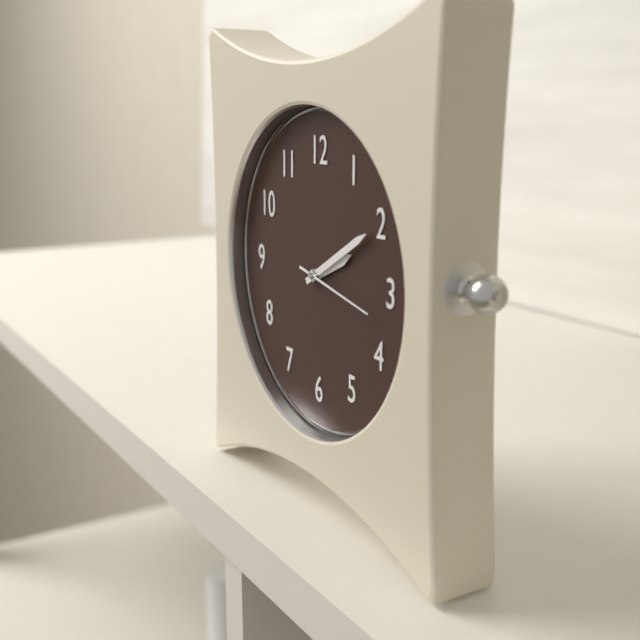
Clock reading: h=2 m=10 s=17
